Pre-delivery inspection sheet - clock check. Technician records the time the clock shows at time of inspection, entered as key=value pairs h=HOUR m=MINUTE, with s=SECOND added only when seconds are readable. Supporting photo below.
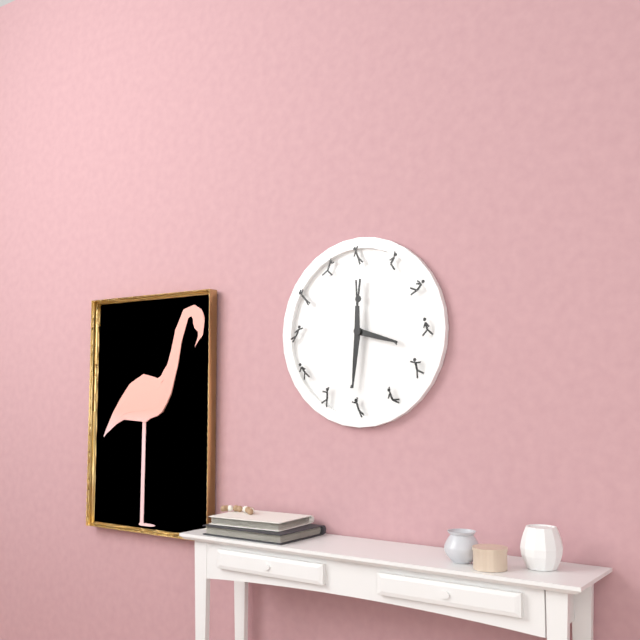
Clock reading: h=3 m=31
